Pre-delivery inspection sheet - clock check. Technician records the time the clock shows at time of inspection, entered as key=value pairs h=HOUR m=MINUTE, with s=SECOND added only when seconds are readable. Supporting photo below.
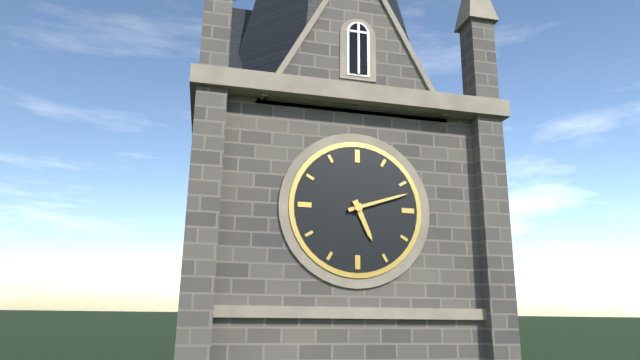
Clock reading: h=5 m=12
